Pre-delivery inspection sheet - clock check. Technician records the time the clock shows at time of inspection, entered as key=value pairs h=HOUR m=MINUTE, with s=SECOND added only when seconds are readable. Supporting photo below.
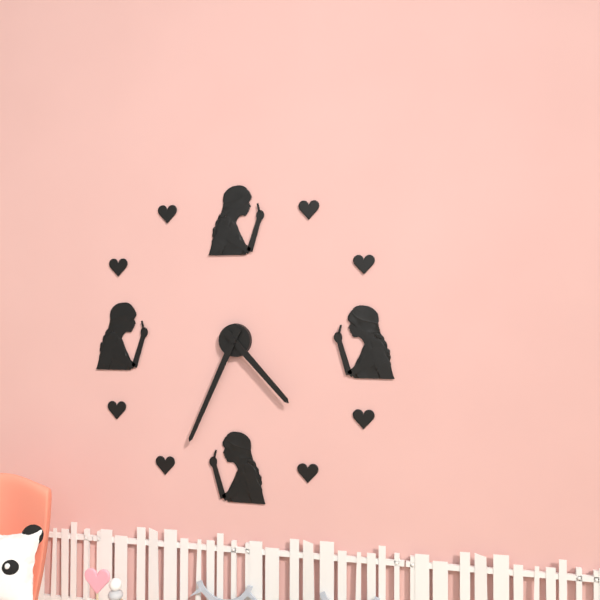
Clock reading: h=4 m=34
